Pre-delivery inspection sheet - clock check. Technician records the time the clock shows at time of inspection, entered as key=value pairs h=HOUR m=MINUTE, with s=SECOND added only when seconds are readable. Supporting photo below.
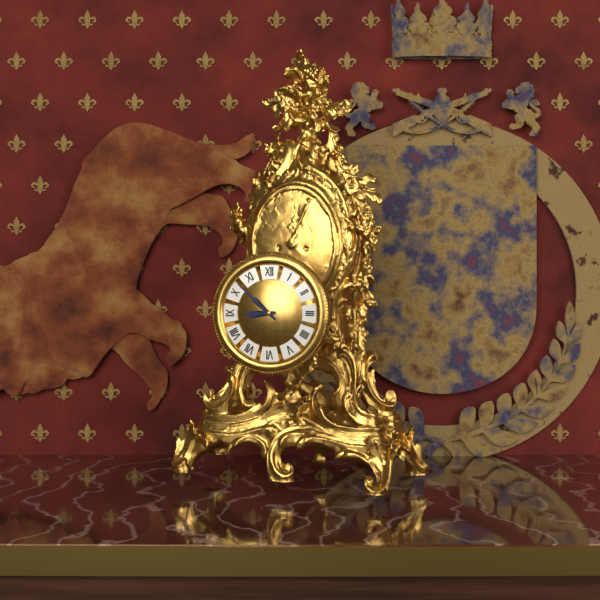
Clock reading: h=8 m=52
